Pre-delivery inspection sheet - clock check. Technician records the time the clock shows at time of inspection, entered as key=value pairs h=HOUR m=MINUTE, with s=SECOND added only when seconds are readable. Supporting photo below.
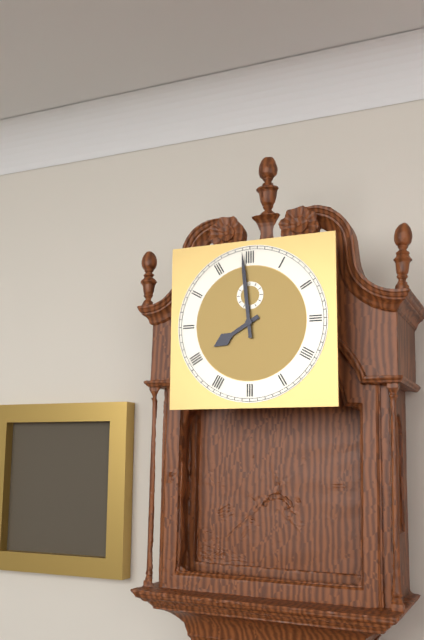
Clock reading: h=7 m=59
